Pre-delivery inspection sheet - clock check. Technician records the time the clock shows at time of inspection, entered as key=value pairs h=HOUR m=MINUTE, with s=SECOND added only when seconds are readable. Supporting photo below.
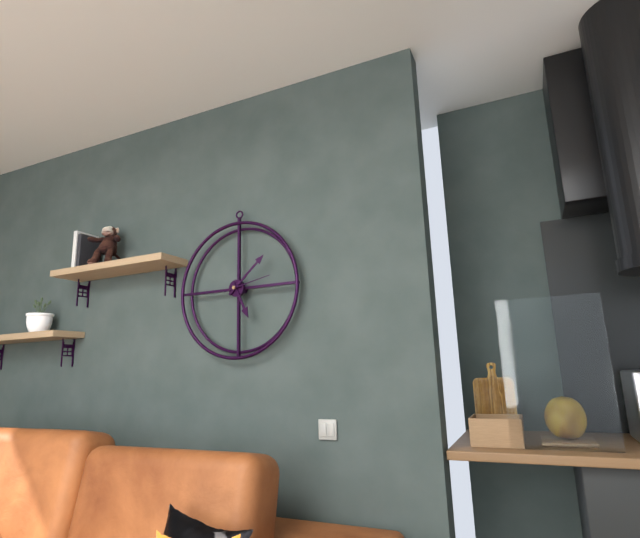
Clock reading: h=5 m=8
